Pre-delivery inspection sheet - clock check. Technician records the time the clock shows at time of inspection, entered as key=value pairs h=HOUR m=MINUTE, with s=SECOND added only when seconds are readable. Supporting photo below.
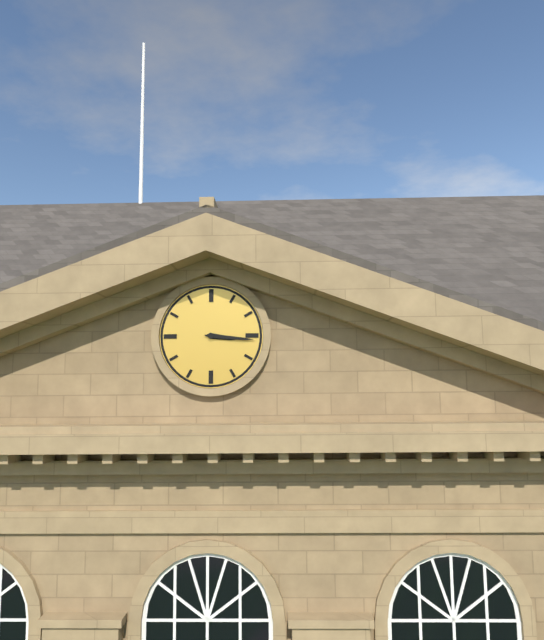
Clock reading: h=3 m=16
